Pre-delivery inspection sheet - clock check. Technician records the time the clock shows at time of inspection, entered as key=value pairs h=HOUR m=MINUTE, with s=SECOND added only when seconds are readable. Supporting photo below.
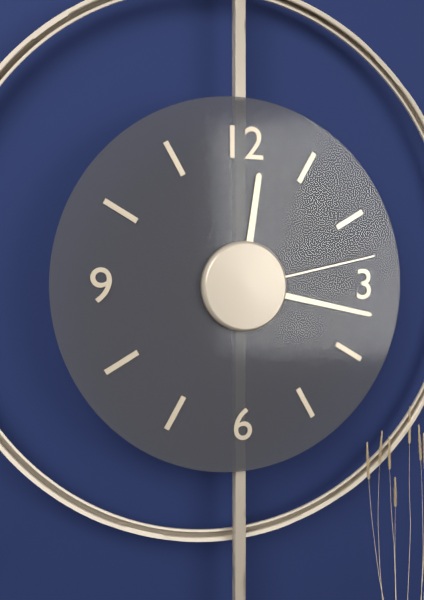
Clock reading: h=12 m=17 s=13
